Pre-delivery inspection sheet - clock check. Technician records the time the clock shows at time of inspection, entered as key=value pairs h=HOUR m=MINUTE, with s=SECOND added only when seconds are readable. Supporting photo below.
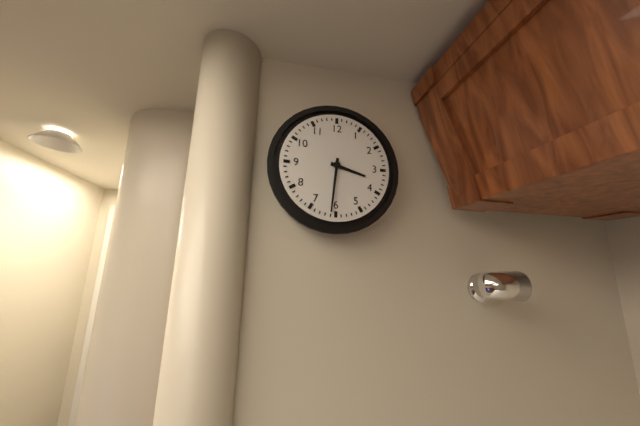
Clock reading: h=3 m=31
